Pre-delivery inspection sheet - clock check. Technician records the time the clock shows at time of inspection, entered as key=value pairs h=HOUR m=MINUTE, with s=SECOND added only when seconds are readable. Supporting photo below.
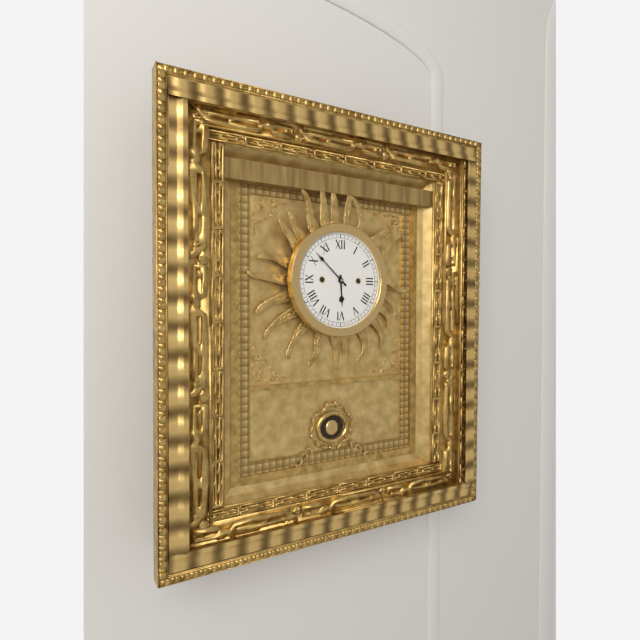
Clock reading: h=5 m=52
